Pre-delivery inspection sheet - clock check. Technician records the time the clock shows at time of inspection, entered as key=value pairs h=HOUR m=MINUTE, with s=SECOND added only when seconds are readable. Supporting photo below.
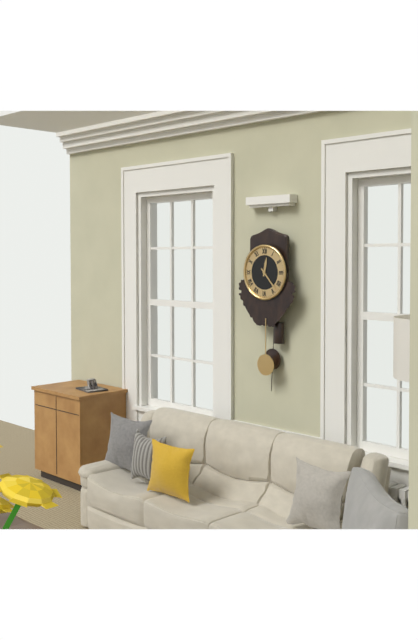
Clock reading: h=12 m=23
